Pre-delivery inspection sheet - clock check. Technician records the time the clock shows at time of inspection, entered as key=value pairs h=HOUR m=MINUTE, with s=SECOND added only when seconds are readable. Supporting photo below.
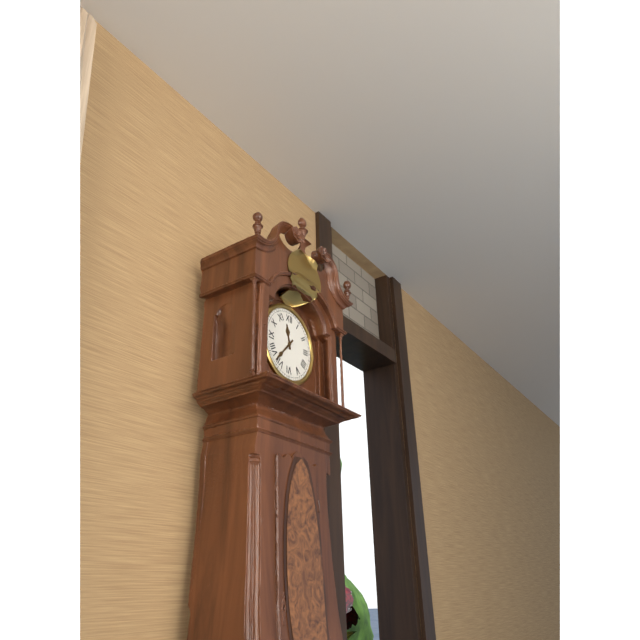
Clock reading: h=11 m=37
